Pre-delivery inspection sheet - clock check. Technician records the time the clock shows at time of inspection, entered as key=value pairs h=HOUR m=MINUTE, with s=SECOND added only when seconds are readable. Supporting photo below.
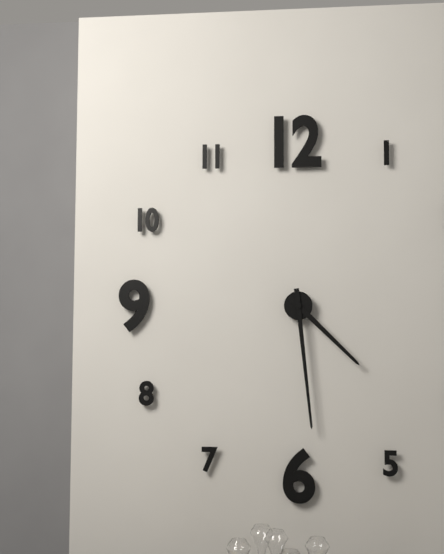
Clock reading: h=4 m=29
